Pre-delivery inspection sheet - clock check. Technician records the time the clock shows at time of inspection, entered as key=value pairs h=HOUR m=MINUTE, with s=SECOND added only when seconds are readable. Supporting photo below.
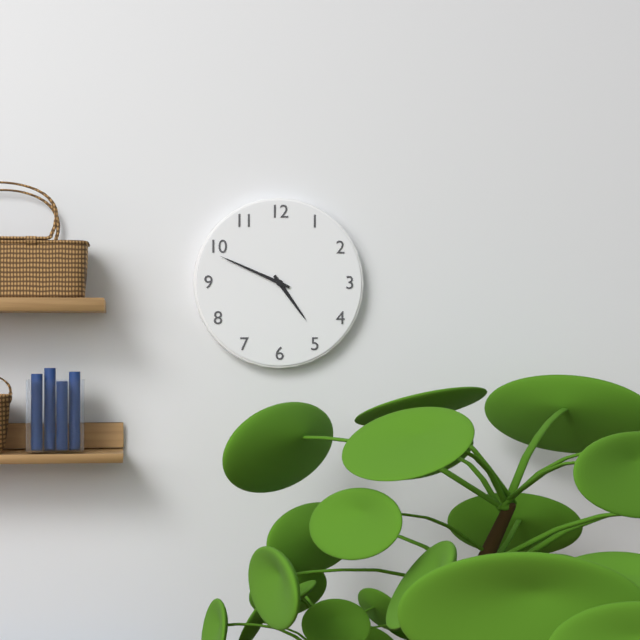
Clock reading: h=4 m=49
